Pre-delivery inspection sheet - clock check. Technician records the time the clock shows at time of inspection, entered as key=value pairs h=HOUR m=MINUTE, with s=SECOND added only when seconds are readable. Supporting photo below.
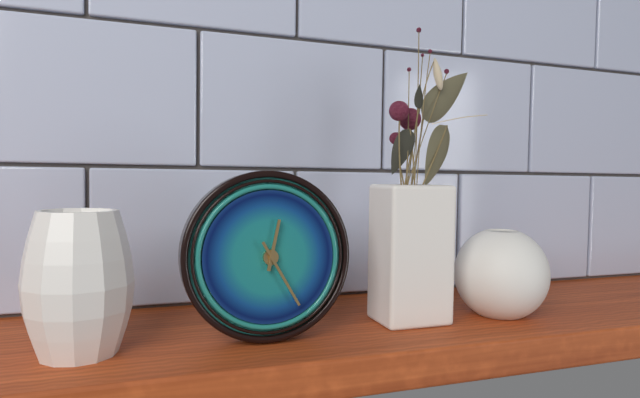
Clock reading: h=12 m=25
